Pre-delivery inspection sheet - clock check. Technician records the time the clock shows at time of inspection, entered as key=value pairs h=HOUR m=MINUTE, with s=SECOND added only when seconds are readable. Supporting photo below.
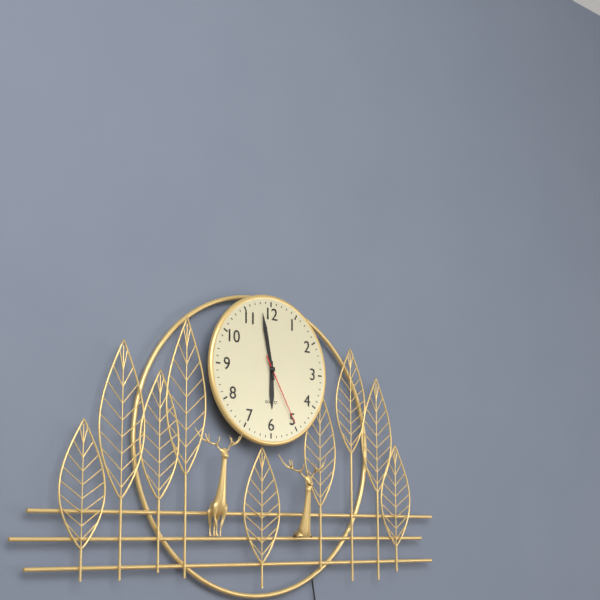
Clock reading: h=5 m=58 s=25
